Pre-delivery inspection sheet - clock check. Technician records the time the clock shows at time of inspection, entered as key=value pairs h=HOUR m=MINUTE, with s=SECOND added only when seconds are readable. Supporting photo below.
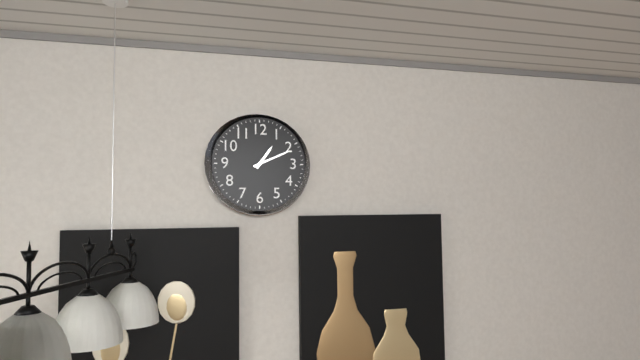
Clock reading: h=1 m=11
